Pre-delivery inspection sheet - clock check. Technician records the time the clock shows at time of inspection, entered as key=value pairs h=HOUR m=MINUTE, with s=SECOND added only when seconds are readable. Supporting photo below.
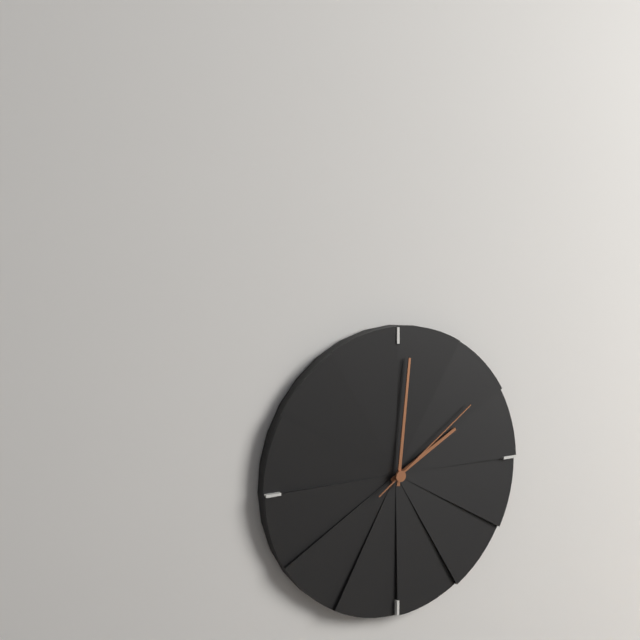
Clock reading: h=2 m=1 s=9
